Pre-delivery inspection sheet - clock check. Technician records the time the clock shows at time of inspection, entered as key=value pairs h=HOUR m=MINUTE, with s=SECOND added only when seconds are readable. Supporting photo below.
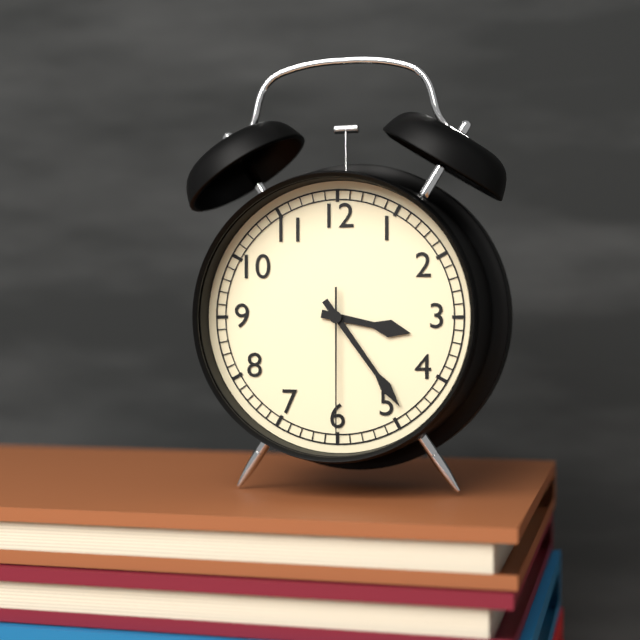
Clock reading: h=3 m=24 s=30
